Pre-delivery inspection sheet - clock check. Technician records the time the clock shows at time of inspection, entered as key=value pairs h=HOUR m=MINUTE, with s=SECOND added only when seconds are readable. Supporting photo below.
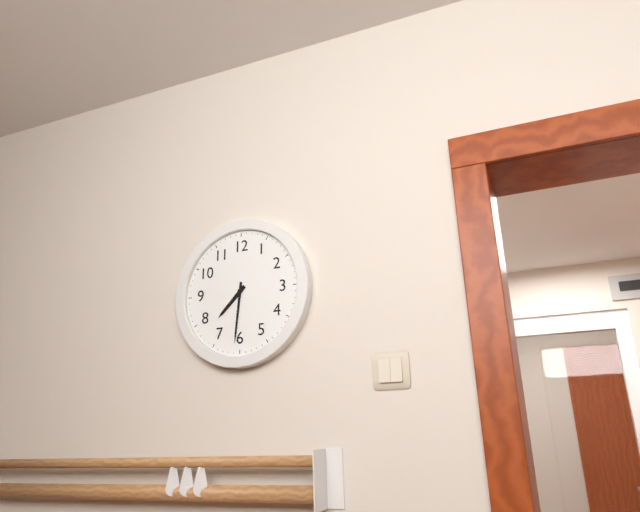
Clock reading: h=7 m=31
